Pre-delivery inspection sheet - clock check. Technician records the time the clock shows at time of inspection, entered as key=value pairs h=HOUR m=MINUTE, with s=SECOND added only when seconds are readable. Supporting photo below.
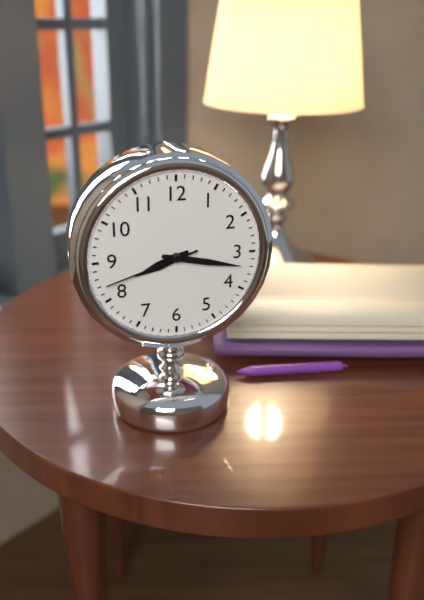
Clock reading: h=8 m=17 s=42
